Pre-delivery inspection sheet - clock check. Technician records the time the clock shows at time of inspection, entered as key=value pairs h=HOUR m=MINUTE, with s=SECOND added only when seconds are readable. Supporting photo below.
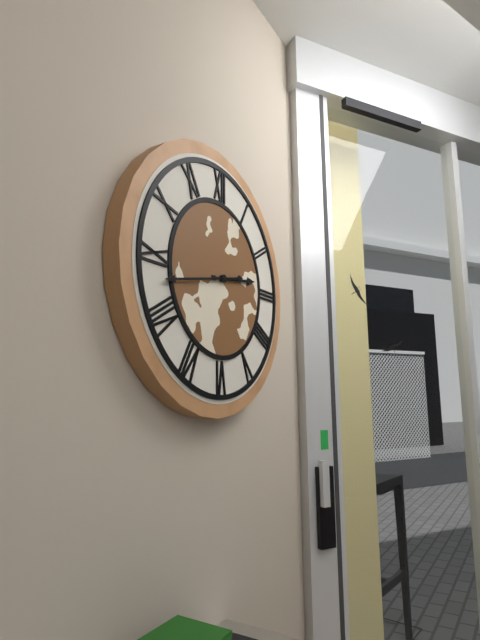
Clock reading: h=2 m=43
